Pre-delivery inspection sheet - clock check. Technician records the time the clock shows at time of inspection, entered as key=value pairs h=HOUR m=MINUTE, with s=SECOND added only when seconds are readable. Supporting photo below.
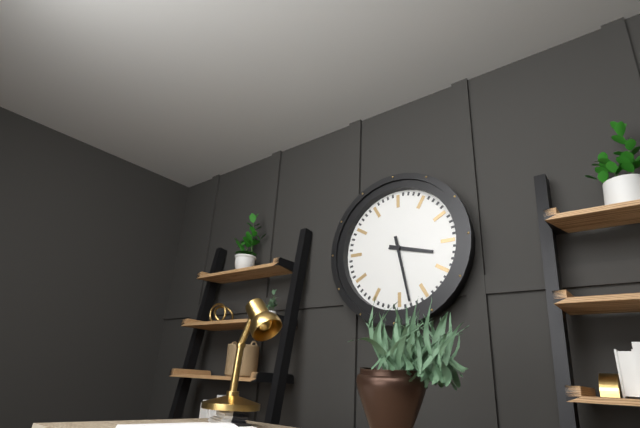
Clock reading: h=3 m=28
